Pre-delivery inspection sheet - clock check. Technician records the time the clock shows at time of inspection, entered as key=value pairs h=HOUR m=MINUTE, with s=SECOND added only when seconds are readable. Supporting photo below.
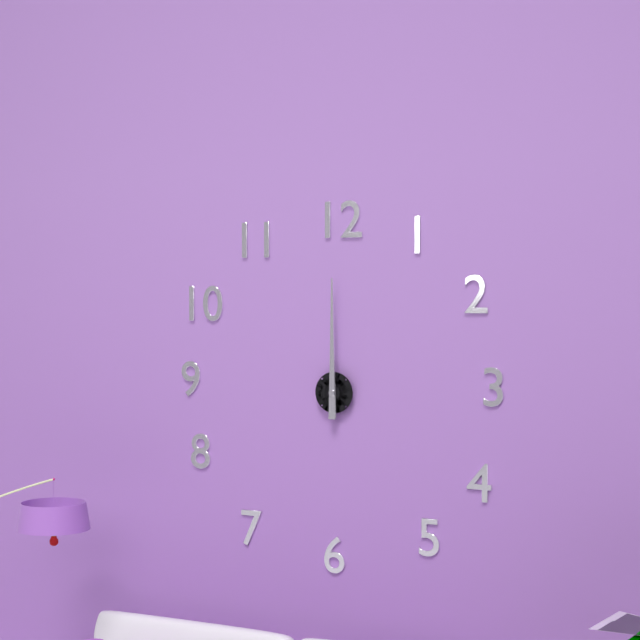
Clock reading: h=12 m=0
